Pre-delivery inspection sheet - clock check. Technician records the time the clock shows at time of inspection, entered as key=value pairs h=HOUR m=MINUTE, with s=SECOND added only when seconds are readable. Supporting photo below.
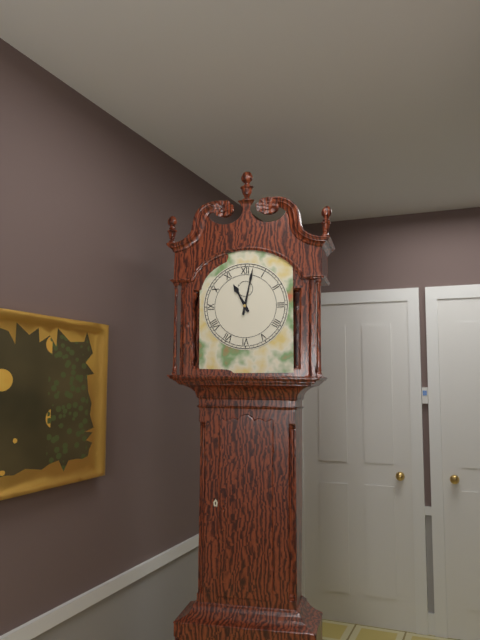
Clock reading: h=11 m=2
